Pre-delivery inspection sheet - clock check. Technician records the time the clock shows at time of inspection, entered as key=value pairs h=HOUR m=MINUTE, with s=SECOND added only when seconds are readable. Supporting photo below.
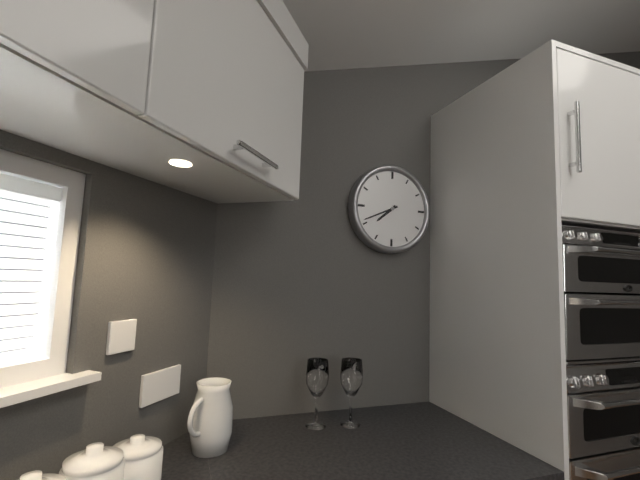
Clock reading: h=7 m=41
